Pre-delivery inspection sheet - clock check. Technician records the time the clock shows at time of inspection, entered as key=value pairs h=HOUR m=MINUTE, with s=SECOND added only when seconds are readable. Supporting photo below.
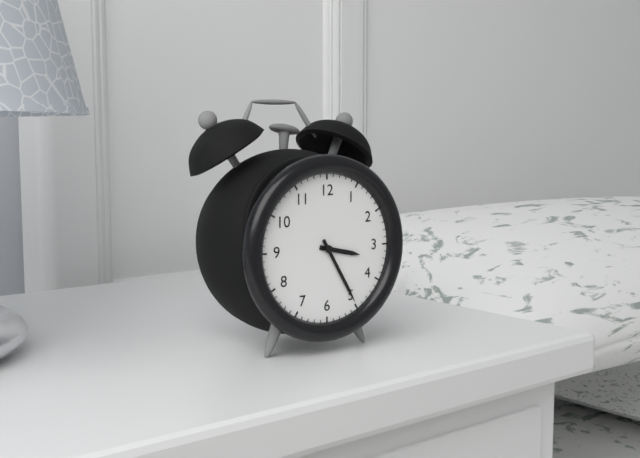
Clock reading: h=3 m=25
